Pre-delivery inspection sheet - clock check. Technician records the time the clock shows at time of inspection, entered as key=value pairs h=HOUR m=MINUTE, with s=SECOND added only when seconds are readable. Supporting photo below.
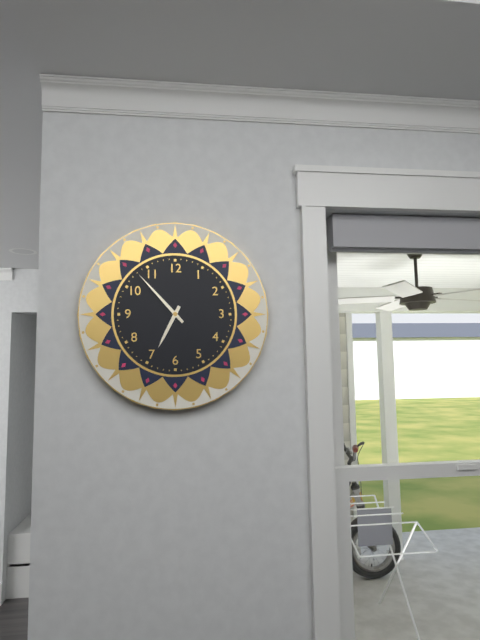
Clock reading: h=6 m=53
